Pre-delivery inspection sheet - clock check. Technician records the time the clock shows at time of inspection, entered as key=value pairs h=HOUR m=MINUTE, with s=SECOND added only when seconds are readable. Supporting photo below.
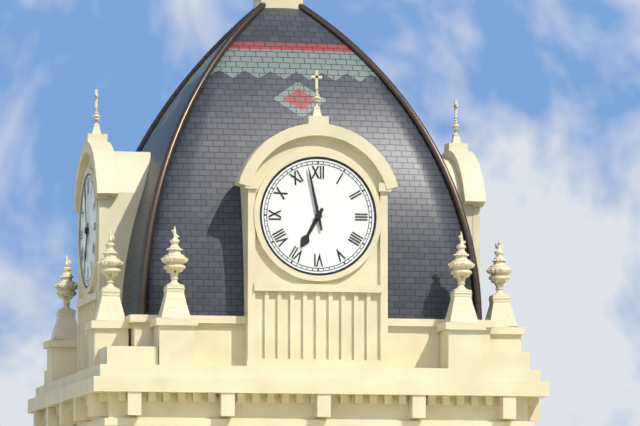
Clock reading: h=6 m=58
